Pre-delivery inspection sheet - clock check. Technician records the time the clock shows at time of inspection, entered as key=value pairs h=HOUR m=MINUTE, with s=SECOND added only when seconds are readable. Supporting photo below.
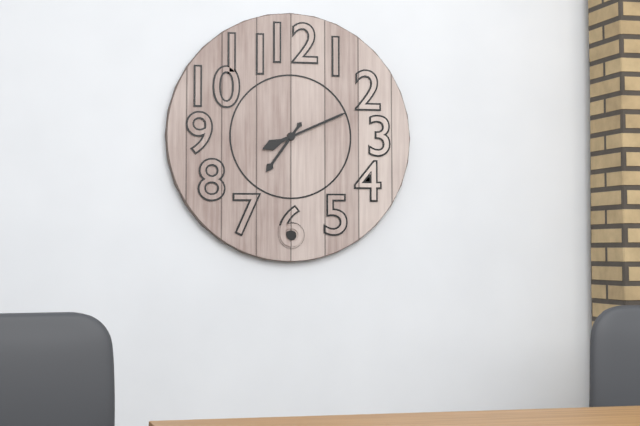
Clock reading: h=7 m=11
